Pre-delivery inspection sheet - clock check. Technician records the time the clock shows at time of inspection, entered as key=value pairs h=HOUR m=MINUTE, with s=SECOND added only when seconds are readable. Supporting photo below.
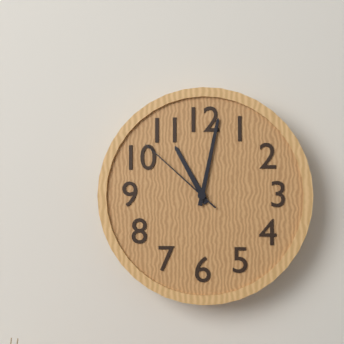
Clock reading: h=11 m=2 s=52
